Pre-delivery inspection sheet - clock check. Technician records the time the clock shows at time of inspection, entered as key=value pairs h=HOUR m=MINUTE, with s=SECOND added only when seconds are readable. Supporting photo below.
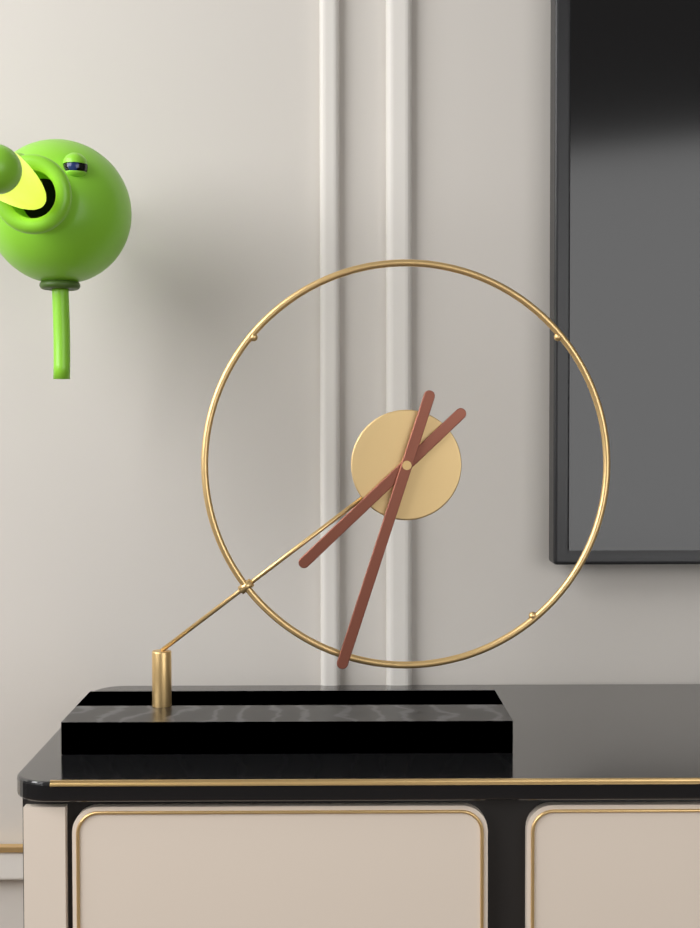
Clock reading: h=7 m=33
